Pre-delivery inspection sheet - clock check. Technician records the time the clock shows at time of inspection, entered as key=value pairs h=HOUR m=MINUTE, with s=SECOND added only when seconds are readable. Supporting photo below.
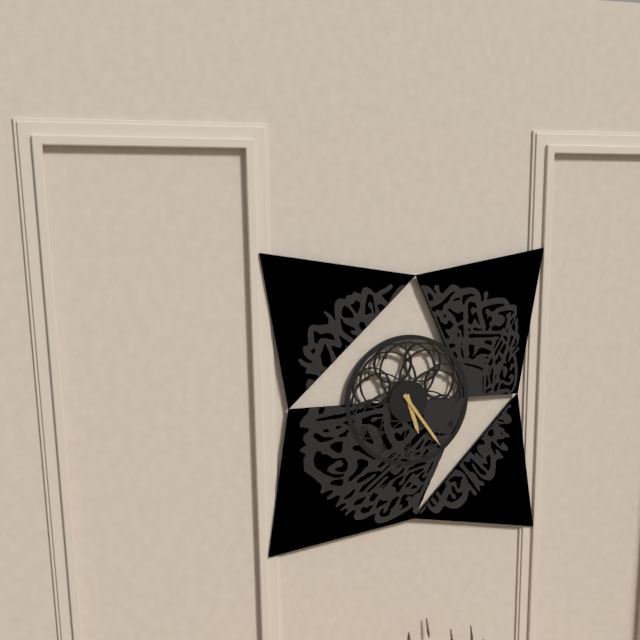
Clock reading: h=5 m=24
